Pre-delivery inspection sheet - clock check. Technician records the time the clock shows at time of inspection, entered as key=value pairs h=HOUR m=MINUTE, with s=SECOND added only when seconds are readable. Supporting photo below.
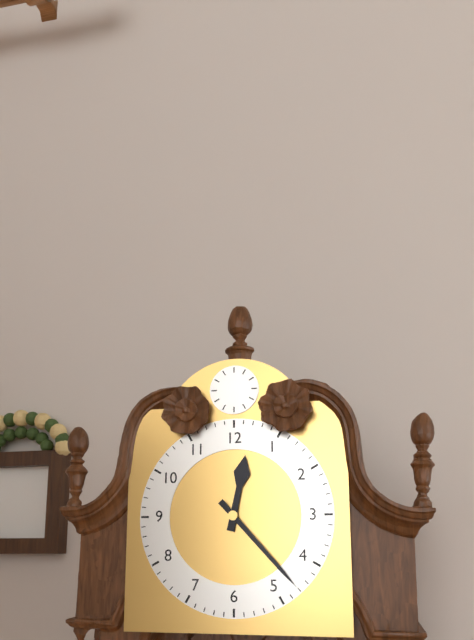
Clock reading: h=12 m=23
